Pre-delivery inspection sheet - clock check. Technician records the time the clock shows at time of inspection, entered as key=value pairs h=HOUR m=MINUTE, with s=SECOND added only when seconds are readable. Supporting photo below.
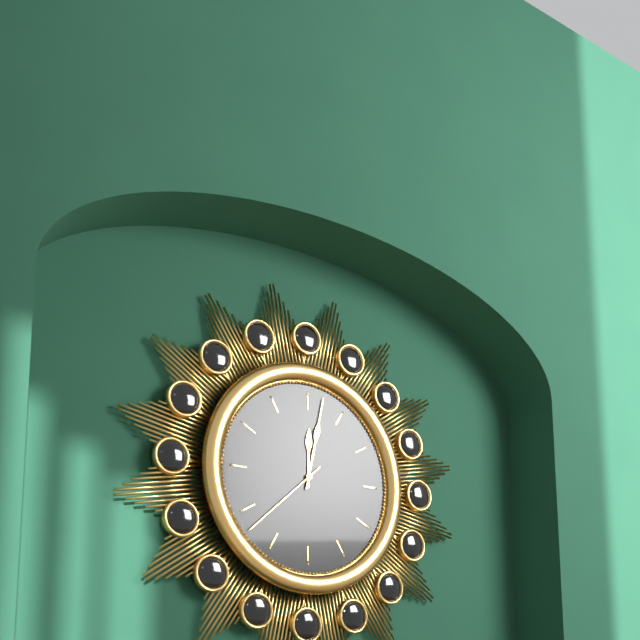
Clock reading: h=12 m=2 s=38
